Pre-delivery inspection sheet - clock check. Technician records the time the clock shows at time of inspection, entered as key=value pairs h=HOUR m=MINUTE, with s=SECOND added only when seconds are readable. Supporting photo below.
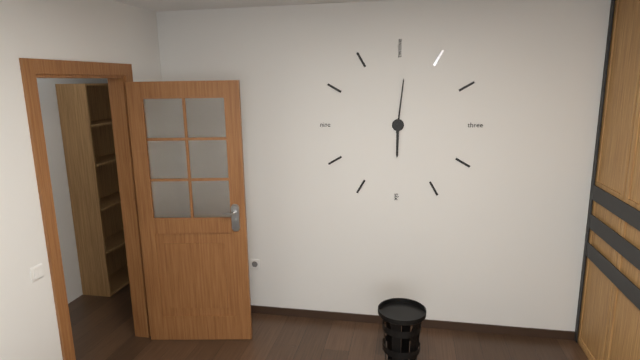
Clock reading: h=6 m=1
